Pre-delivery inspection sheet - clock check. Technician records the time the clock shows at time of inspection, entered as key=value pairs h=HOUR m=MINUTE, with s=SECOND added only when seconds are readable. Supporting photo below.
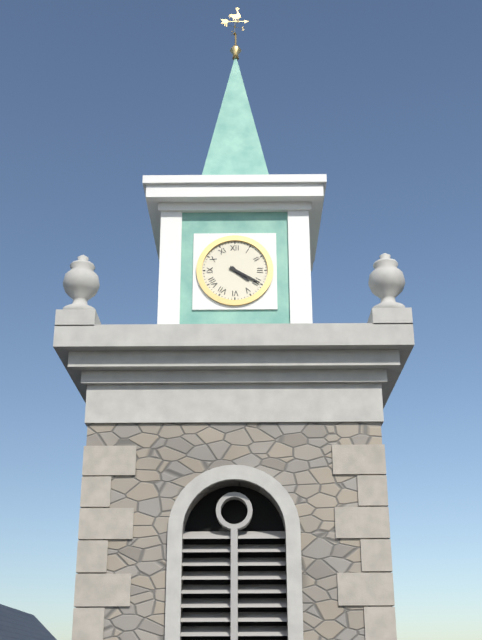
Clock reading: h=4 m=20
